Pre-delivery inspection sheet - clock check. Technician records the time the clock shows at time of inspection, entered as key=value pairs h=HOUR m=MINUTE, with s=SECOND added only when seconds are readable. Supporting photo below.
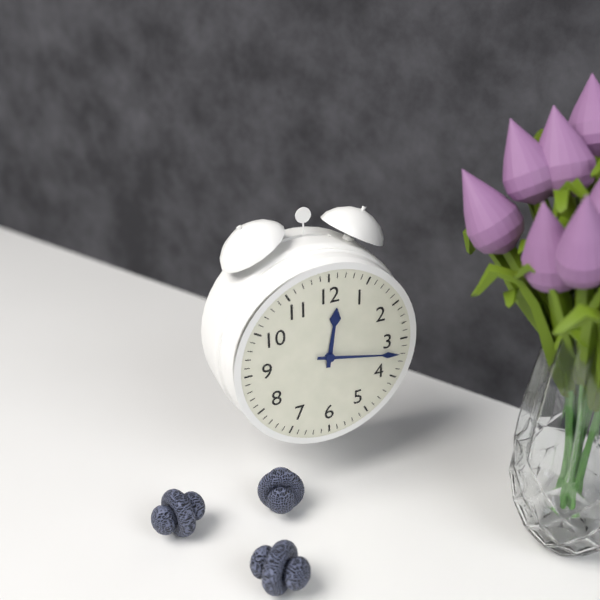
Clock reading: h=12 m=17
